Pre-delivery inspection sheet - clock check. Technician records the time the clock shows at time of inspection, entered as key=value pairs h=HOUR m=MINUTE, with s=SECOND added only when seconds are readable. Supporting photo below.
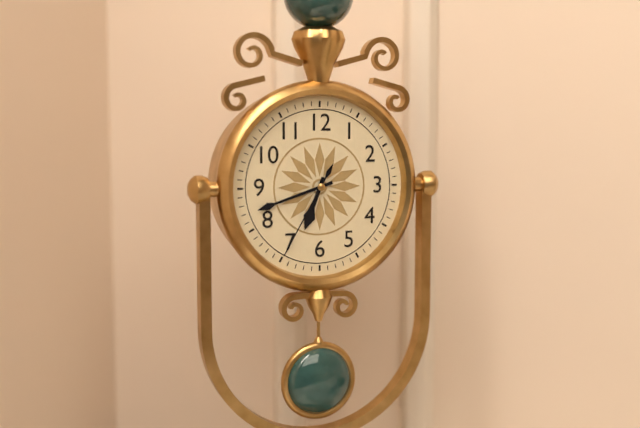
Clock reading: h=6 m=42 s=35
